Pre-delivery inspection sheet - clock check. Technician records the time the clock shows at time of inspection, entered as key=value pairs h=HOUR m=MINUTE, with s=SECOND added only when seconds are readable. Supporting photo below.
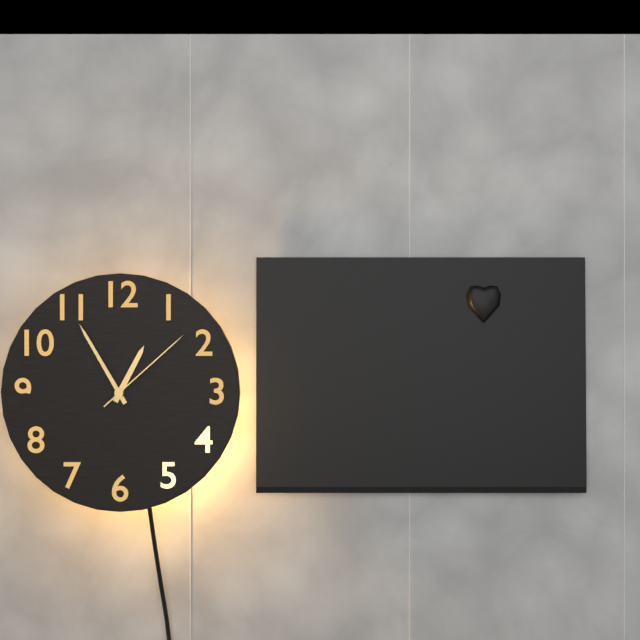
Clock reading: h=12 m=55 s=8
